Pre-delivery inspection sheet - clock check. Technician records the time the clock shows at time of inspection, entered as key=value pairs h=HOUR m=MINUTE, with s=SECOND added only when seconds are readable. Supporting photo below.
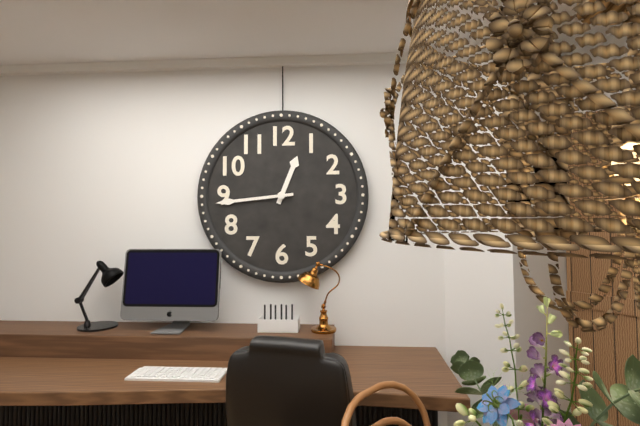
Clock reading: h=12 m=44
